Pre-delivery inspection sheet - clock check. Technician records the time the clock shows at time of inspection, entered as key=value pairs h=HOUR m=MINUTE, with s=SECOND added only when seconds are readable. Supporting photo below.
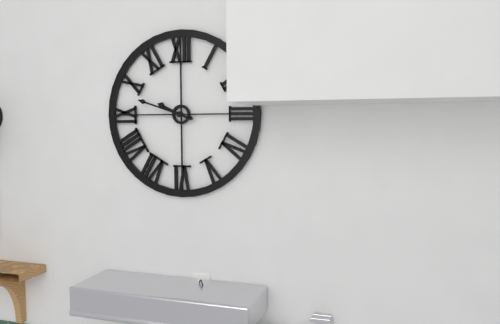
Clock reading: h=9 m=48
